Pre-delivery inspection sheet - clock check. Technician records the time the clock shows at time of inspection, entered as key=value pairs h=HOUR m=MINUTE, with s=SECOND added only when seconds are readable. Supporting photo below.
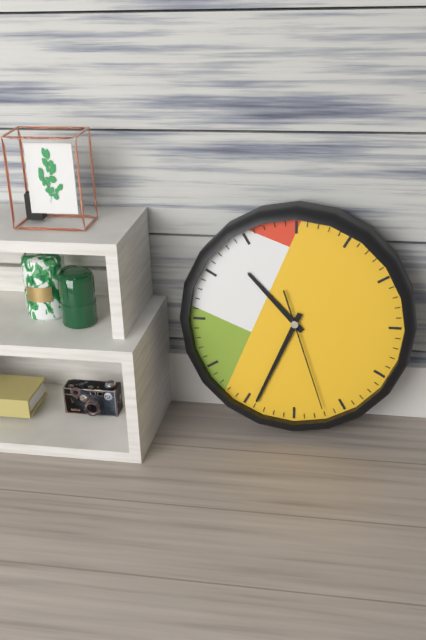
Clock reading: h=10 m=34 s=27
